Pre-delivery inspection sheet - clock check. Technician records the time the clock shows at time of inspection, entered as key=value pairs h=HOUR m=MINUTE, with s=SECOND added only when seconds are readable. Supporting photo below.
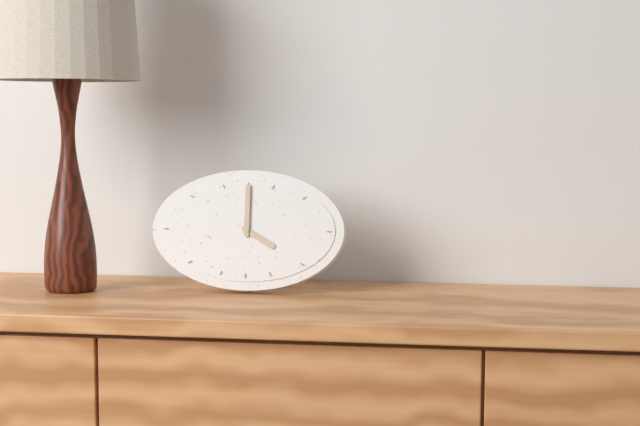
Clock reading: h=4 m=0
